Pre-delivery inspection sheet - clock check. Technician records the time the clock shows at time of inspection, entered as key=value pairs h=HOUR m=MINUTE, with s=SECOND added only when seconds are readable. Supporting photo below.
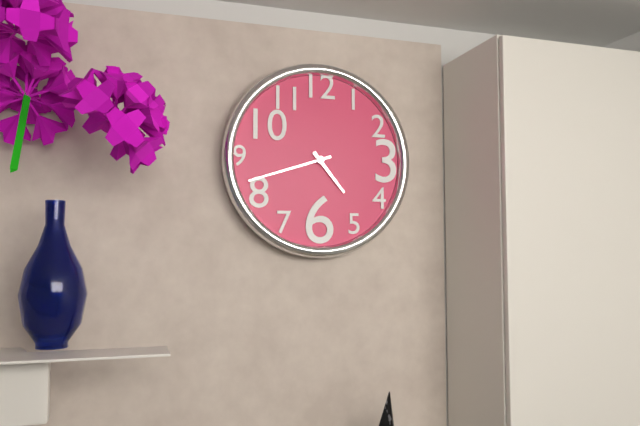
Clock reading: h=4 m=42
